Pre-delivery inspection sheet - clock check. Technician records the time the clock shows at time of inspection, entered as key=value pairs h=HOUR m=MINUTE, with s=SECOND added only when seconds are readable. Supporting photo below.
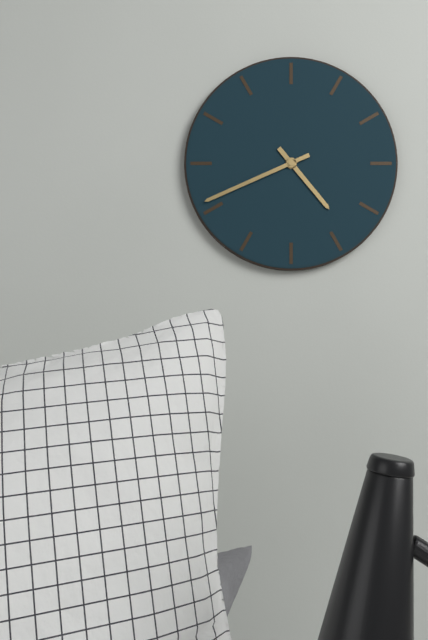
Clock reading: h=4 m=41
